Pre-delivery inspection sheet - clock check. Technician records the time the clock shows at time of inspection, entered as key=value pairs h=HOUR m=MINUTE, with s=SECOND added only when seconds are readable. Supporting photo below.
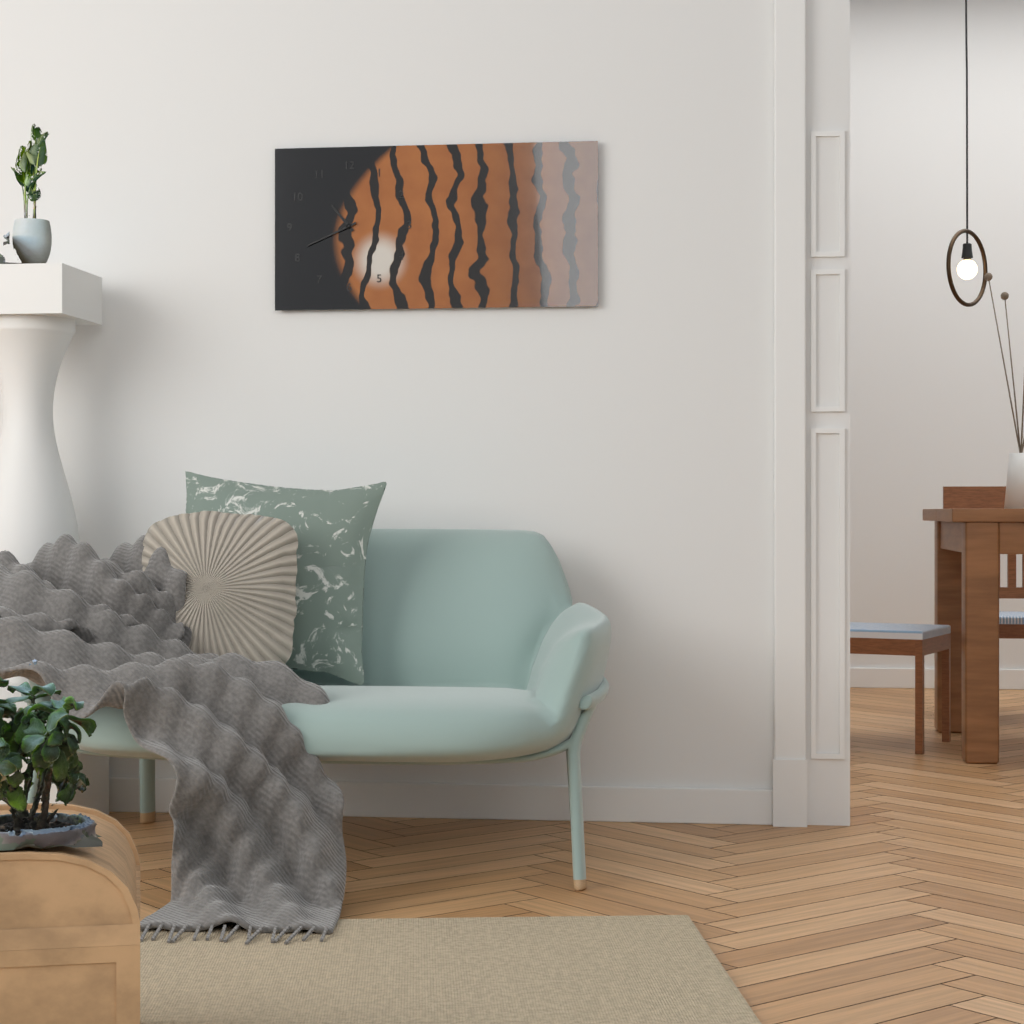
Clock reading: h=10 m=41
